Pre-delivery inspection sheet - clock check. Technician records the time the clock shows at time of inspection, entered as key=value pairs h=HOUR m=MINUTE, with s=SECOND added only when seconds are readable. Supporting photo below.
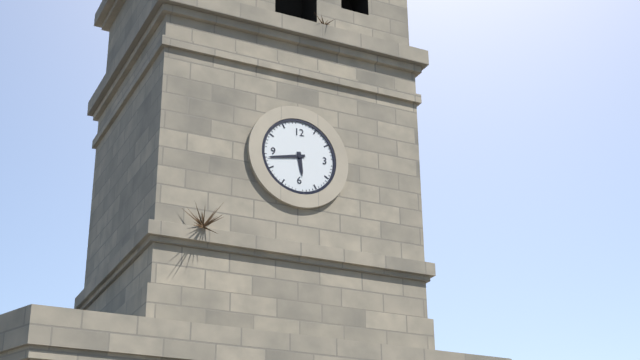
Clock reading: h=5 m=43
